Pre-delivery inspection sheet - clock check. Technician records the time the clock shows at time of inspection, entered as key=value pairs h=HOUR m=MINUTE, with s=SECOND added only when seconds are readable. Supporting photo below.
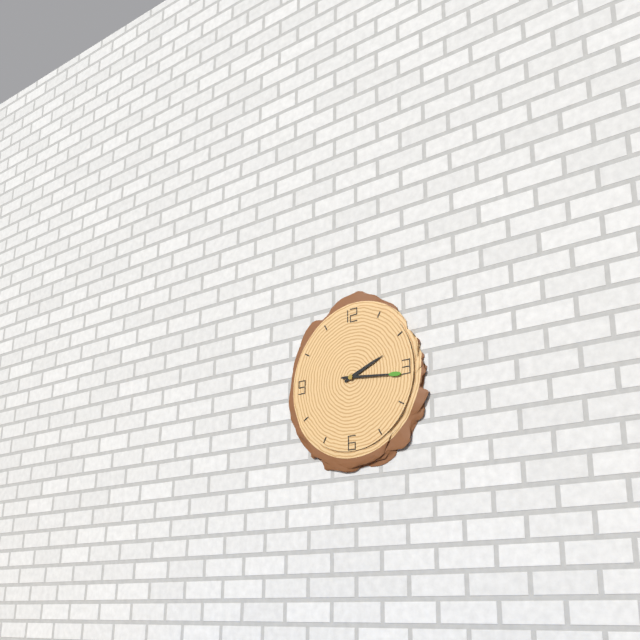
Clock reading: h=2 m=16
